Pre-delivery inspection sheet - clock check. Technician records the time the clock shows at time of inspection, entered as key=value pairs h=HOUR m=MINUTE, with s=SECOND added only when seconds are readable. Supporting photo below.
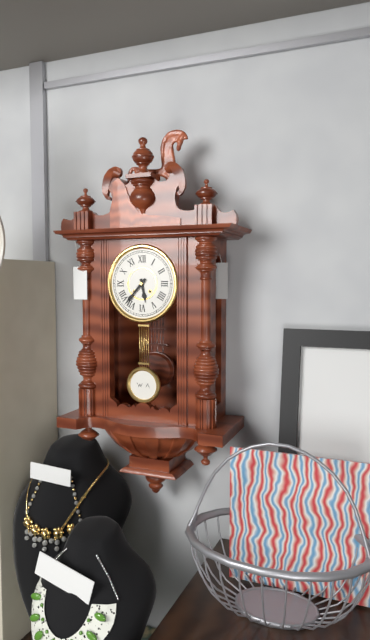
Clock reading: h=5 m=37
